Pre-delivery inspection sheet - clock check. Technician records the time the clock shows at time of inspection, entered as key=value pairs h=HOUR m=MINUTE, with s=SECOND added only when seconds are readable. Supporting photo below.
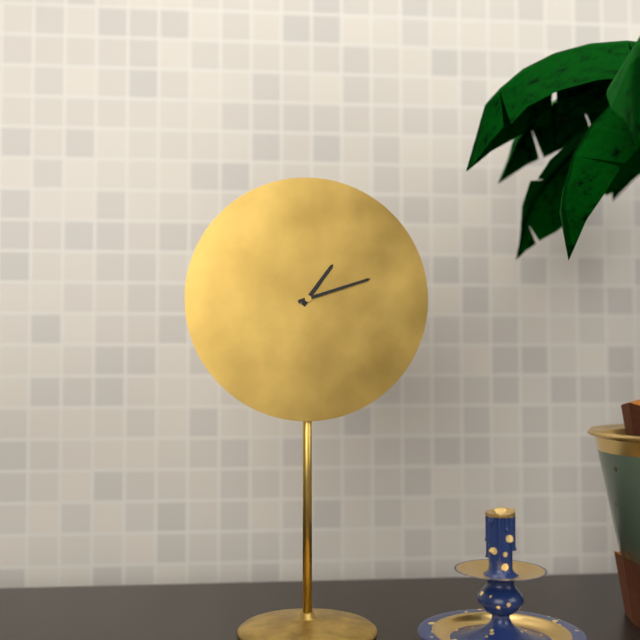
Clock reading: h=1 m=12
